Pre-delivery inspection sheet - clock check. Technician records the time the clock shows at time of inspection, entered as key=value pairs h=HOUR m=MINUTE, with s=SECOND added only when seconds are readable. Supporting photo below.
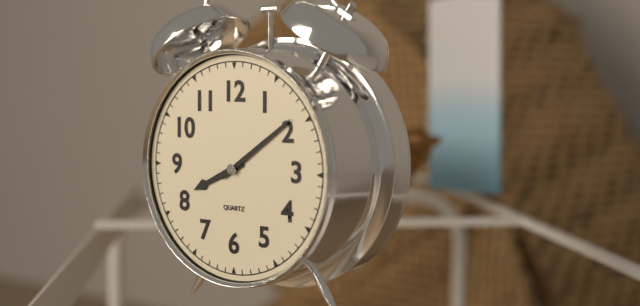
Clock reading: h=8 m=9
